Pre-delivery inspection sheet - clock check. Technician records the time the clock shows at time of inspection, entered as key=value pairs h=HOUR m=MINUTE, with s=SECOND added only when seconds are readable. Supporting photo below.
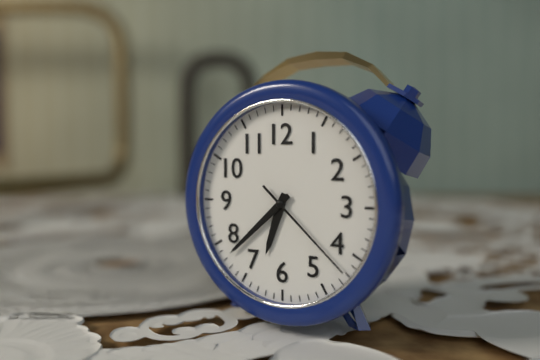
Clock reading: h=6 m=38 s=22
